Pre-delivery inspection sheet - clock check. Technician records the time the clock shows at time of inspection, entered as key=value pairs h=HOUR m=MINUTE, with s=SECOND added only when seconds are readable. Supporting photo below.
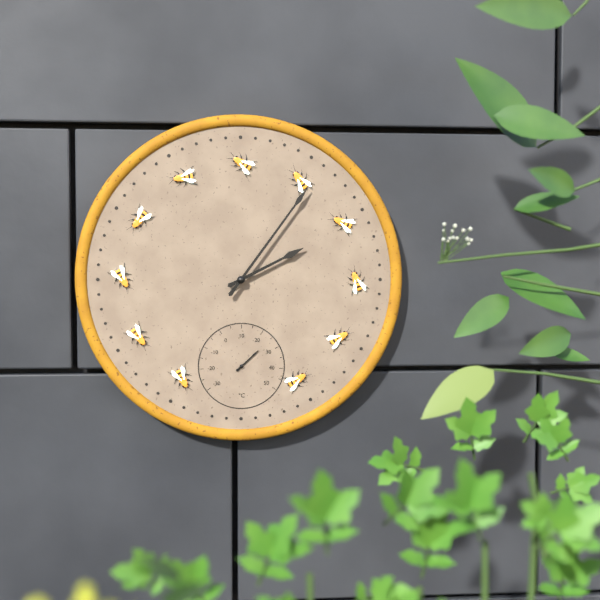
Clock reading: h=2 m=6
